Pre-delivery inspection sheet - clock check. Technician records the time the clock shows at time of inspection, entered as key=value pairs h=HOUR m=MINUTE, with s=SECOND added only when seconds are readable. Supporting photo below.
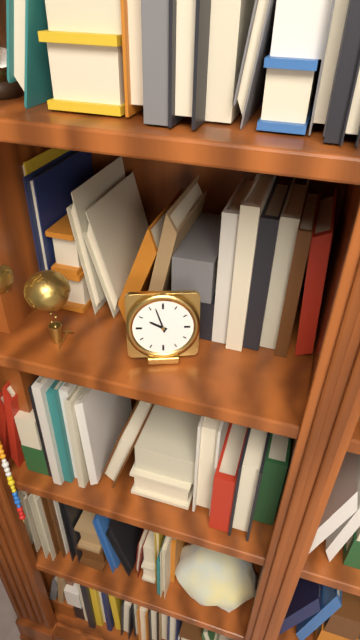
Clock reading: h=9 m=57
